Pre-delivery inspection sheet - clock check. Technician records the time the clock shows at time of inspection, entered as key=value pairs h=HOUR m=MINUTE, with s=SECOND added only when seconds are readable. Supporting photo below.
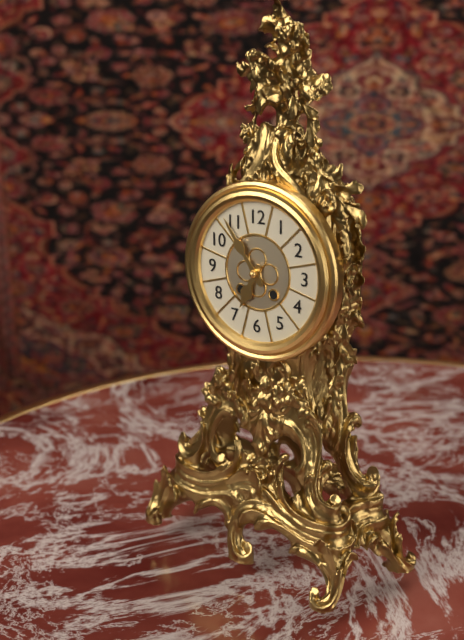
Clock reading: h=6 m=54
